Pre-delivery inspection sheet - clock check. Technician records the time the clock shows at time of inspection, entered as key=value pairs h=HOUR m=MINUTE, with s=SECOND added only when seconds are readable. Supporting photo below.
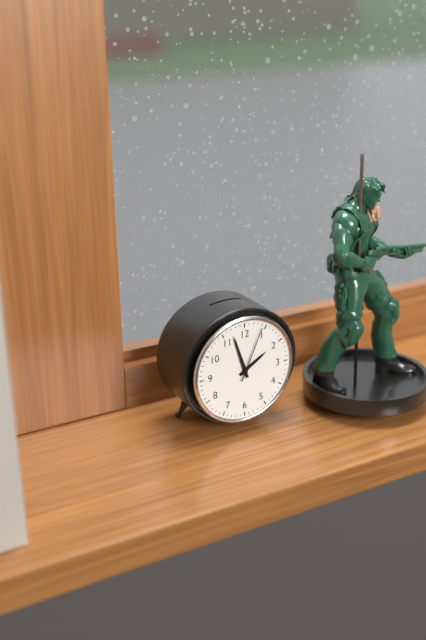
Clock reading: h=1 m=57 s=4
